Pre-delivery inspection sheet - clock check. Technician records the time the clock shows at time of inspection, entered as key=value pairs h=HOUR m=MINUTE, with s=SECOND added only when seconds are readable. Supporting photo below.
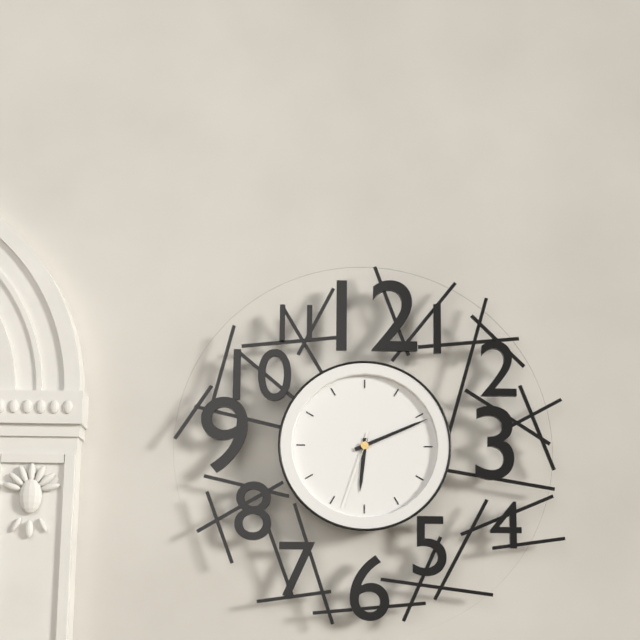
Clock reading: h=6 m=11 s=33
